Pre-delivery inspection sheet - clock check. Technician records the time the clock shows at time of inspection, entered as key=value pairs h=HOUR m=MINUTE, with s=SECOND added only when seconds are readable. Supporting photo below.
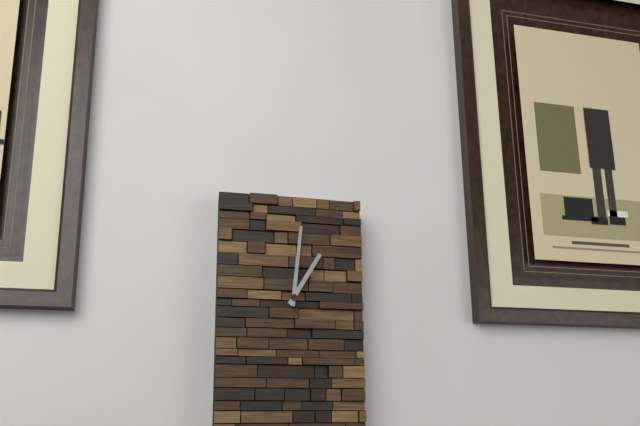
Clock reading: h=1 m=1
